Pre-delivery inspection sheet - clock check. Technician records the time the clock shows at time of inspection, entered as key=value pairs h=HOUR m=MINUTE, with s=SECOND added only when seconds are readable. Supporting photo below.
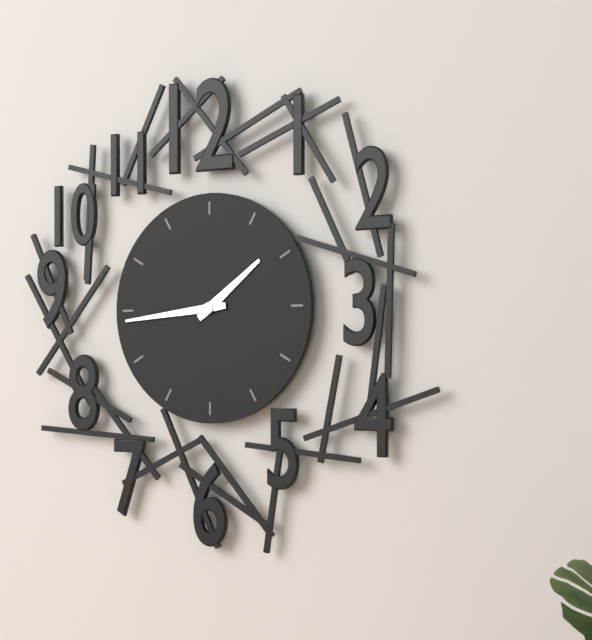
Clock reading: h=1 m=44
